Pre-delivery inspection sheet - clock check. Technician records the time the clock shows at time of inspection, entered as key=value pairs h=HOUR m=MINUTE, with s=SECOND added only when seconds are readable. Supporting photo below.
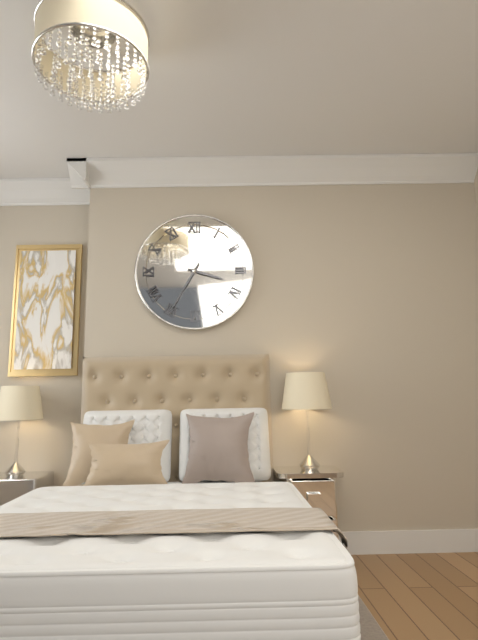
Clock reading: h=3 m=35
